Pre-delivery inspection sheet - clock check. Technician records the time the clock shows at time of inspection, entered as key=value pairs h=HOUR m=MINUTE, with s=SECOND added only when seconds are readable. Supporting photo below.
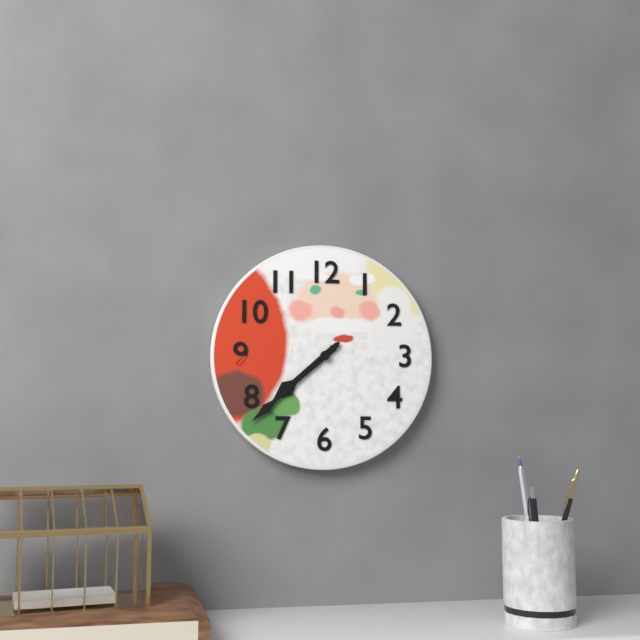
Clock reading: h=7 m=38
